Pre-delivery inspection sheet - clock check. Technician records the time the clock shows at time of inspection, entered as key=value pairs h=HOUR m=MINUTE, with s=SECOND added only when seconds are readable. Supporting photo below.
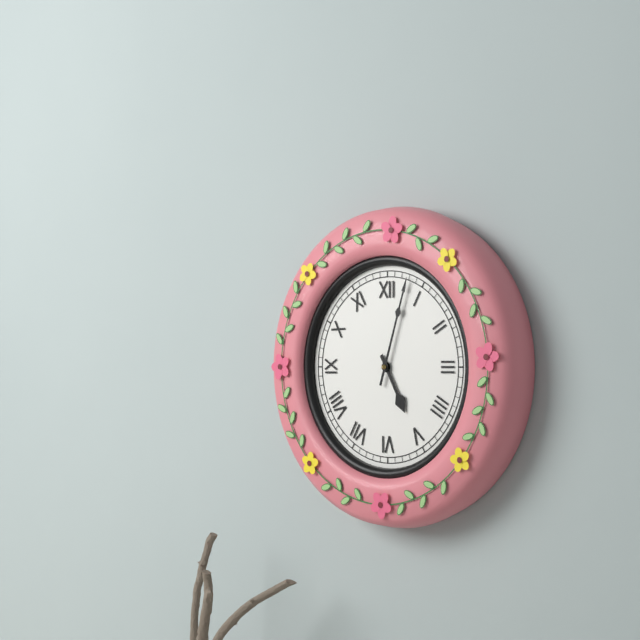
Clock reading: h=5 m=3
